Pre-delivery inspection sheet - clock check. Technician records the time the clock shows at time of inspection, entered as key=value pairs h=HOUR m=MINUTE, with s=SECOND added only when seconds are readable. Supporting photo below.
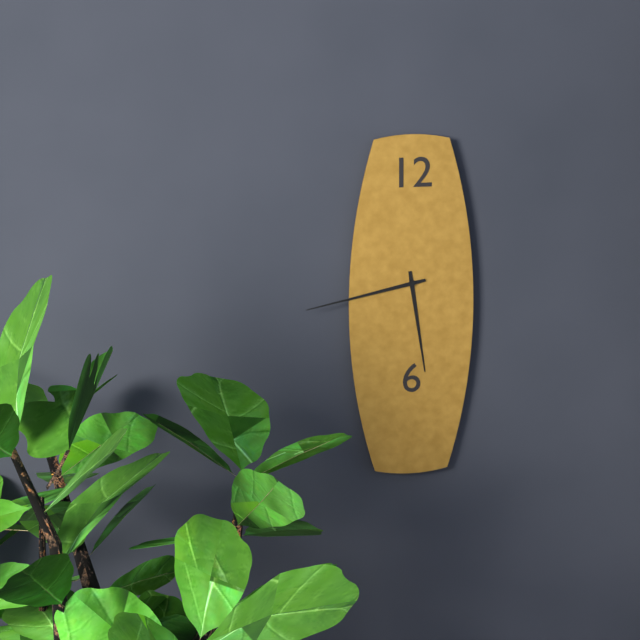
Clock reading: h=5 m=43
